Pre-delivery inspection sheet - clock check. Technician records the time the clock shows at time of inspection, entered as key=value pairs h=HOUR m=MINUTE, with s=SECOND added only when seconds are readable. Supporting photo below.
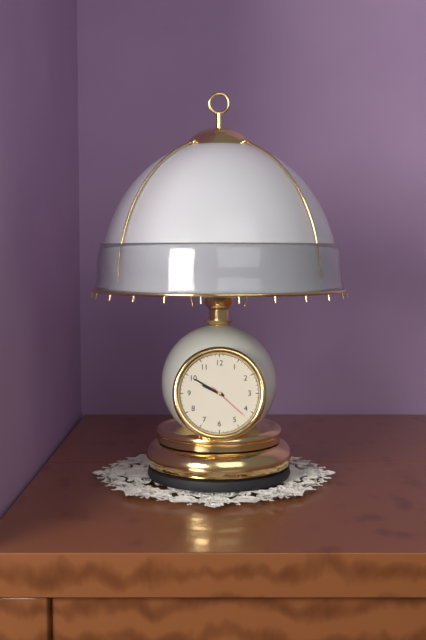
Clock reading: h=9 m=50
